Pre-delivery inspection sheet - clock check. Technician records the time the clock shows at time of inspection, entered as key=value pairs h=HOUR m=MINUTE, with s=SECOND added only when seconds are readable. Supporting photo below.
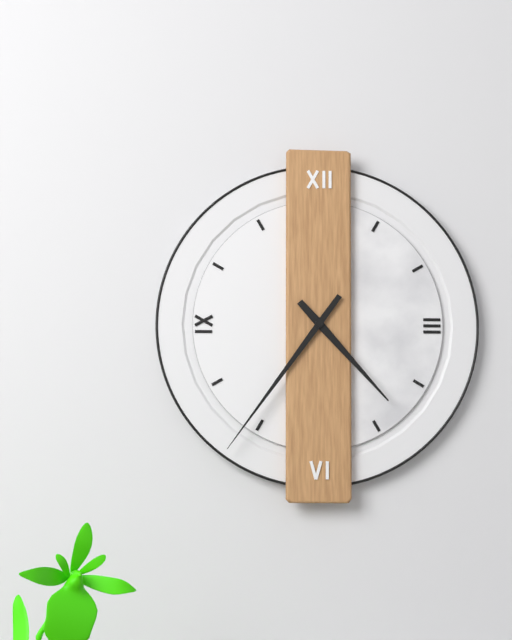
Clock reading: h=4 m=36
